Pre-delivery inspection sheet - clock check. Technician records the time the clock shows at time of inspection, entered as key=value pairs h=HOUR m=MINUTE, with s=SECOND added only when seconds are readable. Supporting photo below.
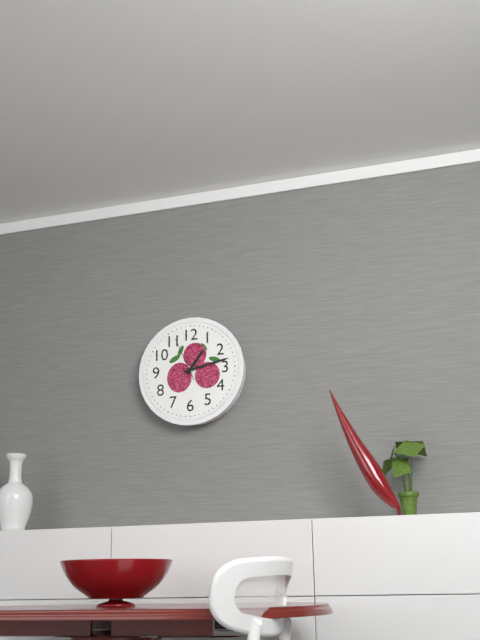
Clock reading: h=1 m=13
